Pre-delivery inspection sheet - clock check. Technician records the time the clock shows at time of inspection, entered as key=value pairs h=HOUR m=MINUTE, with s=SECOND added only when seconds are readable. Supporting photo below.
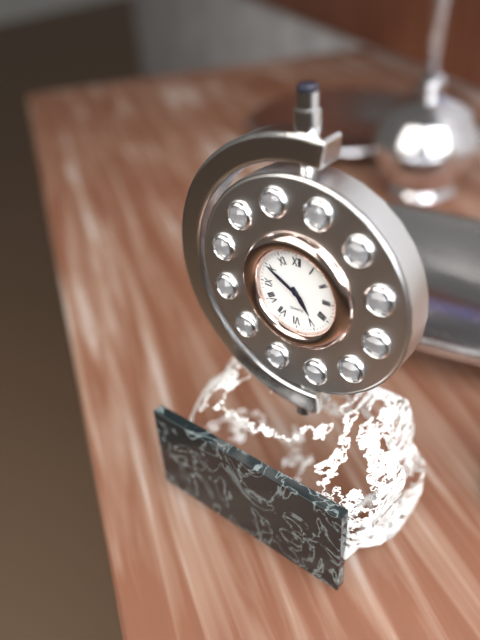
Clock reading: h=4 m=50
